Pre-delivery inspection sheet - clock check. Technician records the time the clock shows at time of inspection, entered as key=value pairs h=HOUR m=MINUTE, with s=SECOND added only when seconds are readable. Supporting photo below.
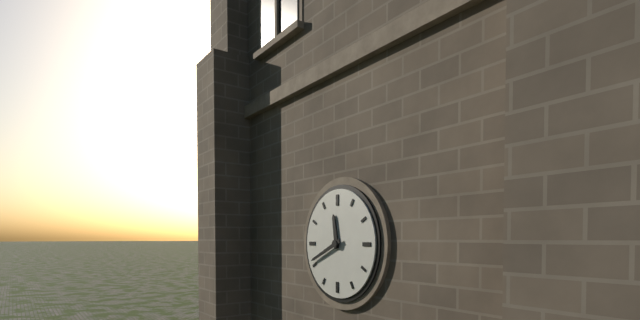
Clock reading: h=11 m=41
